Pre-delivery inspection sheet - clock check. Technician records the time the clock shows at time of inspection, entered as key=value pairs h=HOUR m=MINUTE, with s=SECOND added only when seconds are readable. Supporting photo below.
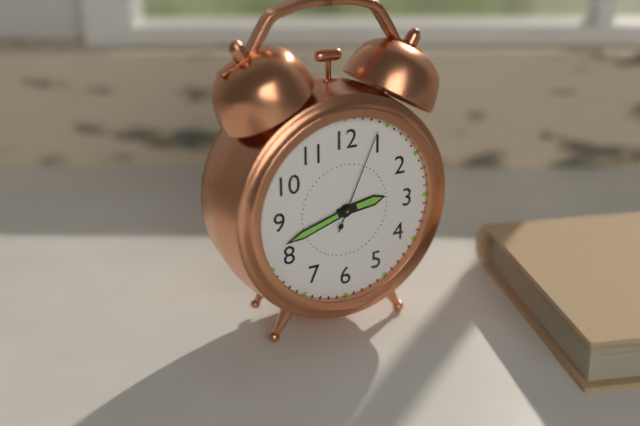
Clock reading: h=2 m=42 s=4
